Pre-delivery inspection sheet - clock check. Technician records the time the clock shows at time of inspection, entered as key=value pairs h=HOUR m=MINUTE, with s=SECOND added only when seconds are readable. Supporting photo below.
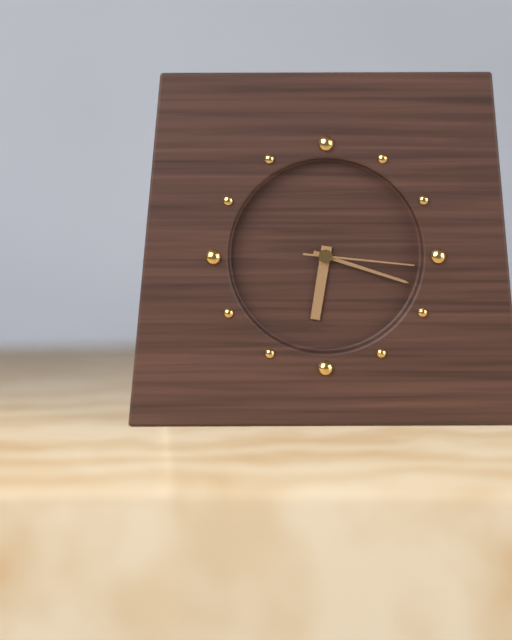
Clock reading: h=6 m=18 s=16
